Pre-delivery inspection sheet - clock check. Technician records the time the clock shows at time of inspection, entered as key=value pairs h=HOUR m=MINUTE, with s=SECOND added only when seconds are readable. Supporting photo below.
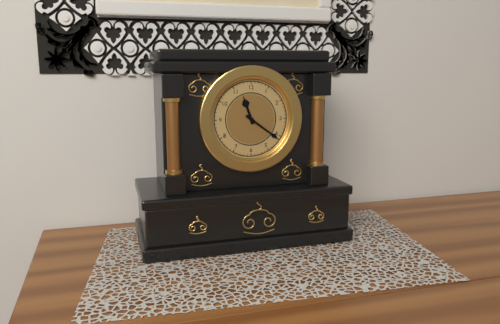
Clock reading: h=11 m=21
